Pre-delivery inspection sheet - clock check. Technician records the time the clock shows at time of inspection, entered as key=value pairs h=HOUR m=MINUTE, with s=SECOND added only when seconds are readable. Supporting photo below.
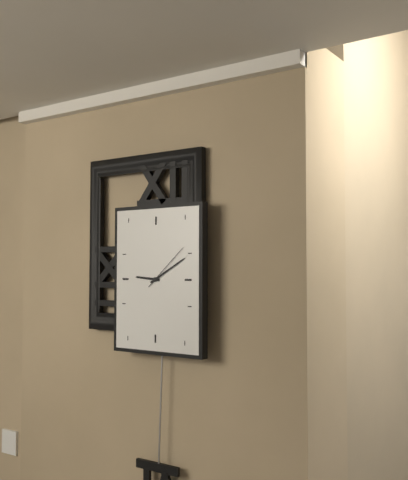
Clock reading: h=9 m=10 s=8
